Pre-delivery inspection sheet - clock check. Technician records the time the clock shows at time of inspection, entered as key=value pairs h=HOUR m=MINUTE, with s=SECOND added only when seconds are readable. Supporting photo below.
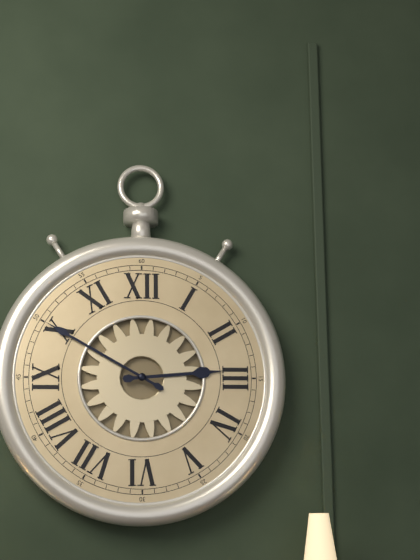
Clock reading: h=2 m=50
